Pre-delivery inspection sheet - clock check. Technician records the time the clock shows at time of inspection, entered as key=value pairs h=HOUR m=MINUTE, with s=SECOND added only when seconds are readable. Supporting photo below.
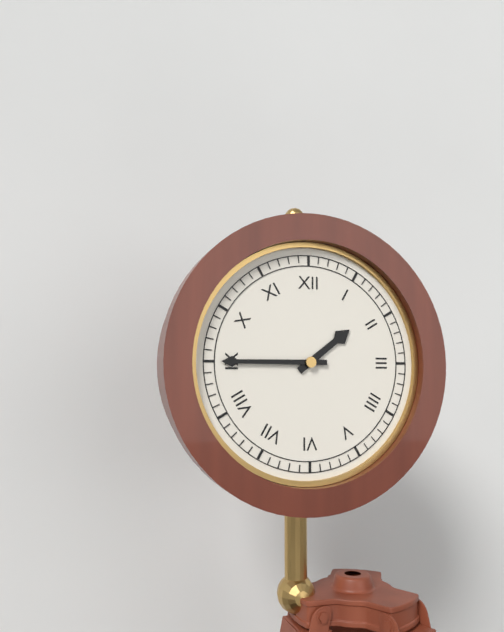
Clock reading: h=1 m=45
